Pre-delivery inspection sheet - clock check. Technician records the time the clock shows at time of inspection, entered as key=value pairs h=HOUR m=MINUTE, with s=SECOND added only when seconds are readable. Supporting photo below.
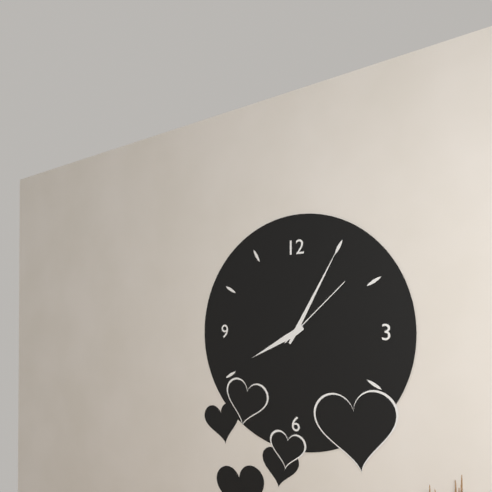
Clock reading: h=8 m=5 s=8
